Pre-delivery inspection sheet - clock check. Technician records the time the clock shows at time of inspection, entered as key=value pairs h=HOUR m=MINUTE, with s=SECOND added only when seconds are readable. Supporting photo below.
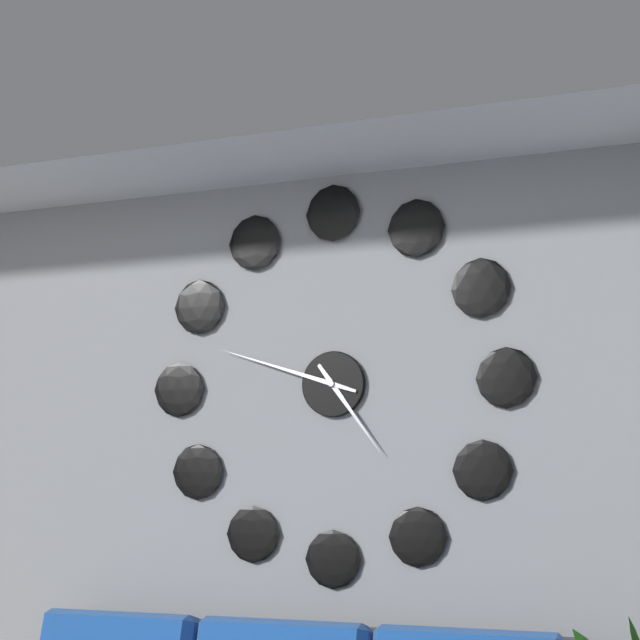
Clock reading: h=4 m=48
